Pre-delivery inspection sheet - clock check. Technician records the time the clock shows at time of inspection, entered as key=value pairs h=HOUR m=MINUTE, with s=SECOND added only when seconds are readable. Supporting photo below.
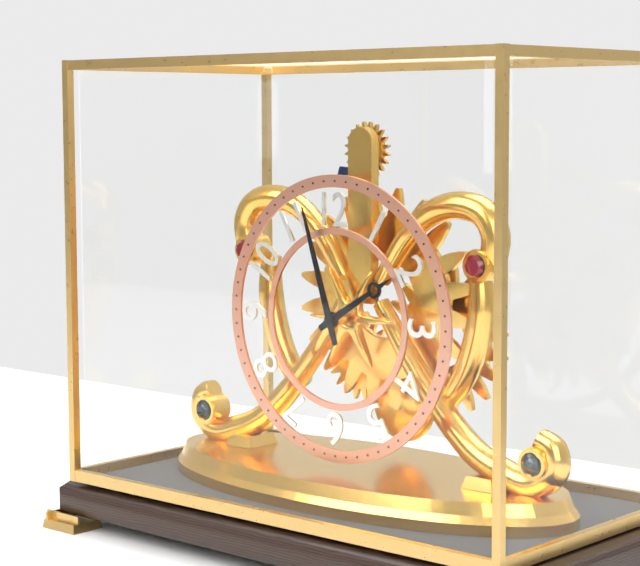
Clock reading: h=1 m=57
